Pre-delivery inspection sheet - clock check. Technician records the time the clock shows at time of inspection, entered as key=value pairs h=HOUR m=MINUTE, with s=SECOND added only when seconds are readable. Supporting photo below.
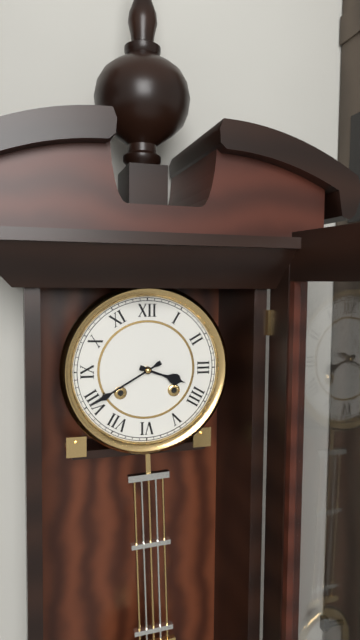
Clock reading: h=3 m=40
